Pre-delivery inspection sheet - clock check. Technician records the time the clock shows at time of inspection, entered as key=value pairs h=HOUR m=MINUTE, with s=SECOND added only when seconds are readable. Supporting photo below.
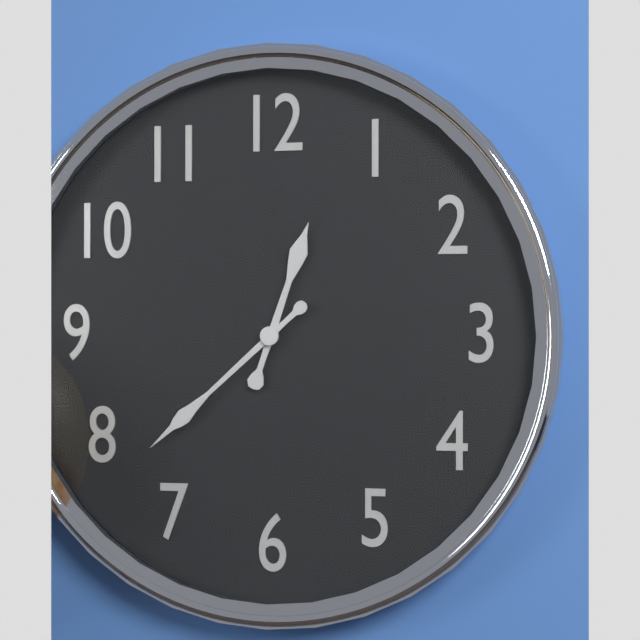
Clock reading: h=12 m=38
